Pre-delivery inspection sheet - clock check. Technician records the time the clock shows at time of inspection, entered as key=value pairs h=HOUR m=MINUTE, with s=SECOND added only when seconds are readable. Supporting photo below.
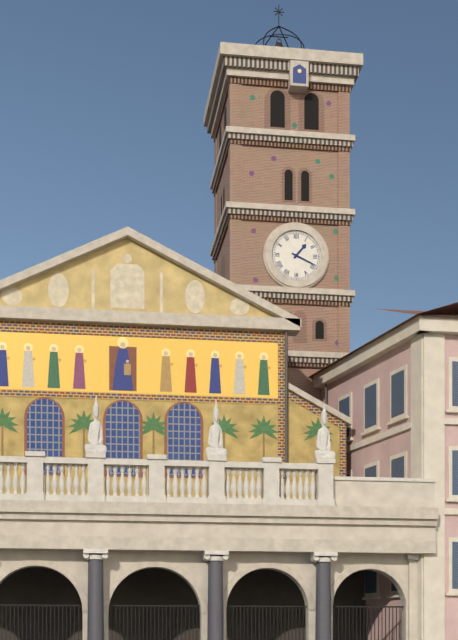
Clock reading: h=1 m=19
